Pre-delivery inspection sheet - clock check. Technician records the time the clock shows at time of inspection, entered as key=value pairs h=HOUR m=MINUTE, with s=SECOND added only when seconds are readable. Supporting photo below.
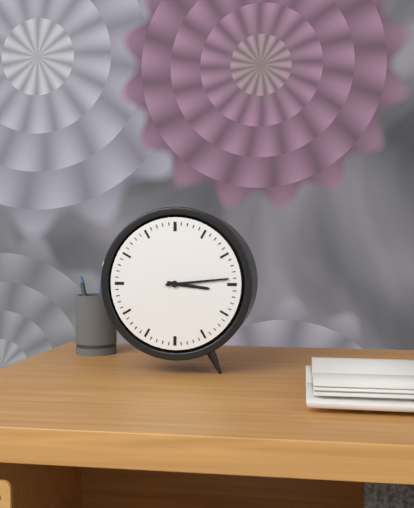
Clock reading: h=3 m=14
